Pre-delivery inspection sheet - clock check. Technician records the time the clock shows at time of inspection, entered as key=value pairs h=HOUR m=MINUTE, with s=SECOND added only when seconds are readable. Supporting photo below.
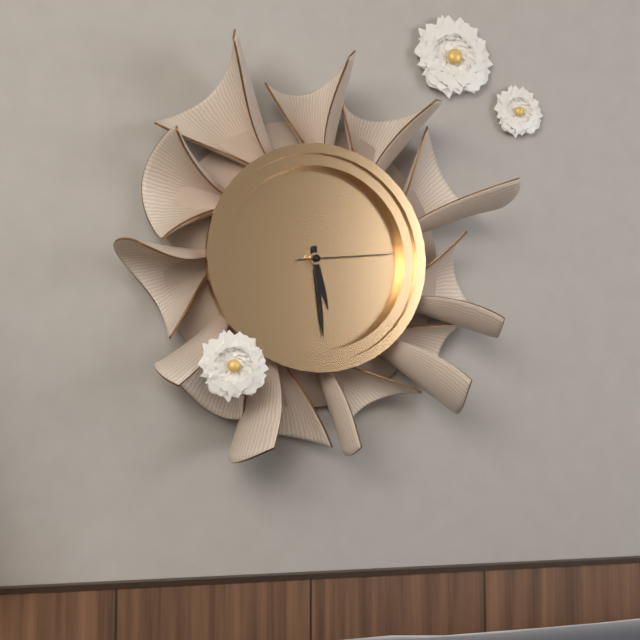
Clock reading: h=5 m=29 s=14
